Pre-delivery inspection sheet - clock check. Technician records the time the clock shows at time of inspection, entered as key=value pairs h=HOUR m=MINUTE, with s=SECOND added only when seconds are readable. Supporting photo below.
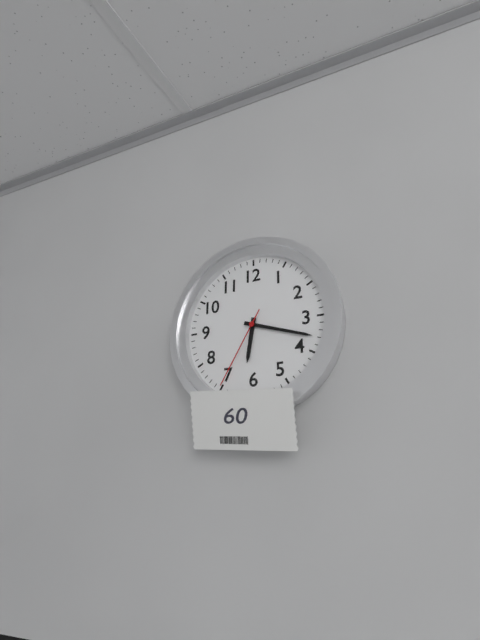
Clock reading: h=6 m=18 s=35
